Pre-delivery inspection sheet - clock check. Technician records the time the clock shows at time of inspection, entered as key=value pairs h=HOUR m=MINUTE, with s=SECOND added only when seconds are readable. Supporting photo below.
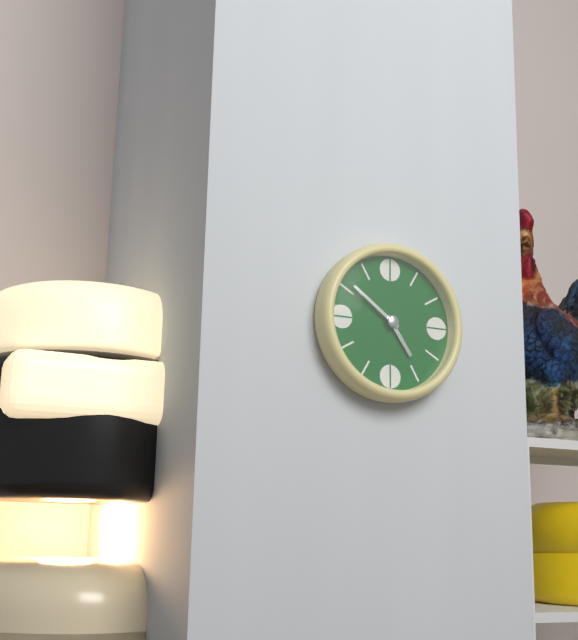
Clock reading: h=4 m=51
